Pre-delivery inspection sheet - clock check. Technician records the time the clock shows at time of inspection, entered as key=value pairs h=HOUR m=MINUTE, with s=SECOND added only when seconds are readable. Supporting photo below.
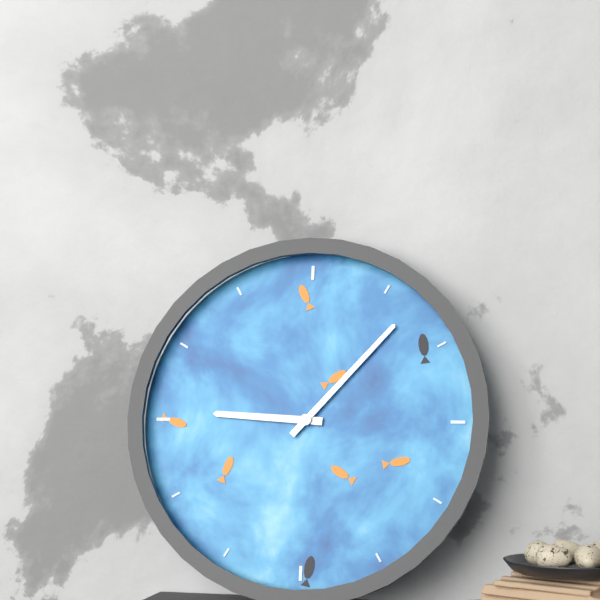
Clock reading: h=9 m=7
